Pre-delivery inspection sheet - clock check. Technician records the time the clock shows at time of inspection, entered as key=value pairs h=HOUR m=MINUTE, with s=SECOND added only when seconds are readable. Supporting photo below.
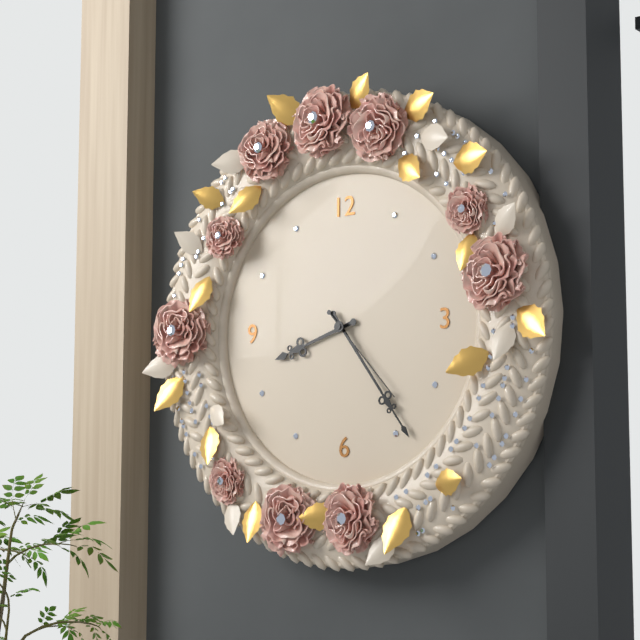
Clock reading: h=8 m=24 s=23
